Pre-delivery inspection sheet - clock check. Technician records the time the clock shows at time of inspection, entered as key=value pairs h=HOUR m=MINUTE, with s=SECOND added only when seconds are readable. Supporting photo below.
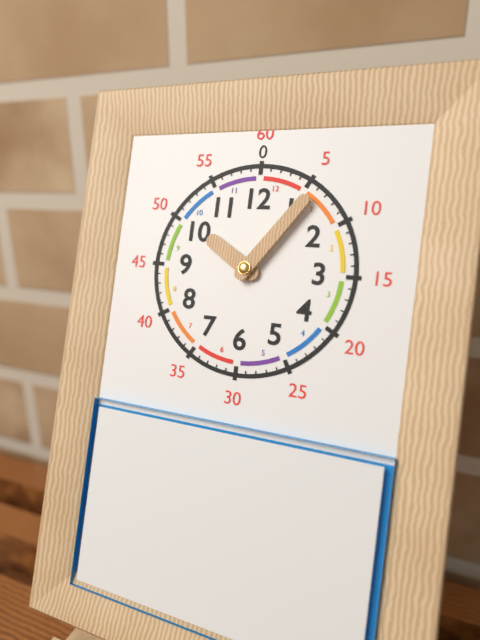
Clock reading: h=10 m=6
